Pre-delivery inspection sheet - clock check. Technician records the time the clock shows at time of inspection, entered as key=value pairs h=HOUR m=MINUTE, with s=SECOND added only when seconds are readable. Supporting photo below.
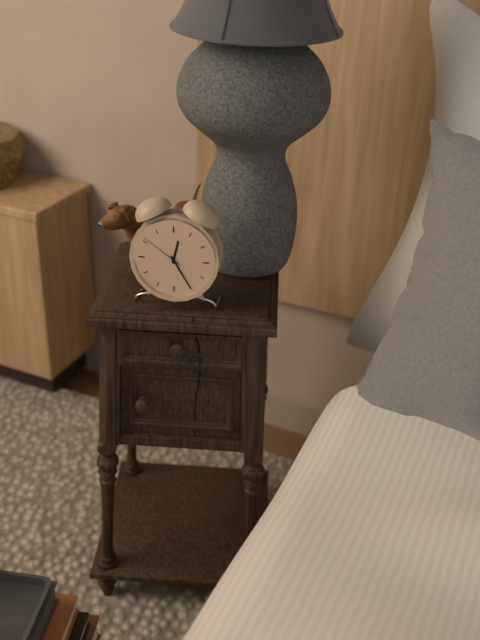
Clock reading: h=12 m=25
